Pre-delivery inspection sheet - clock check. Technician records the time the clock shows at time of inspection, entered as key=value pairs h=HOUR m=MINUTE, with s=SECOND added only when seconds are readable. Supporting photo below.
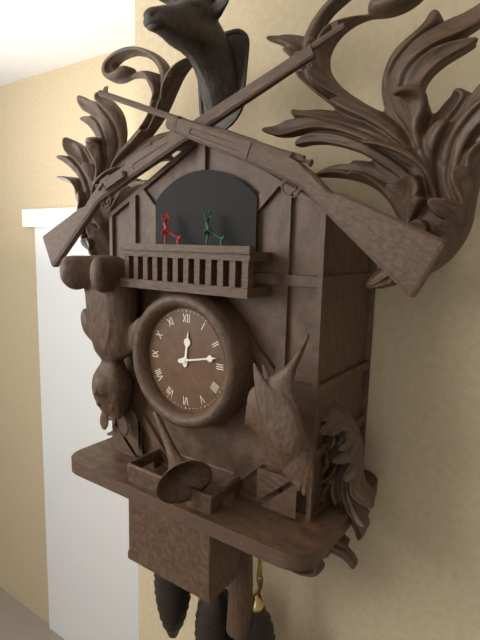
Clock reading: h=12 m=13
